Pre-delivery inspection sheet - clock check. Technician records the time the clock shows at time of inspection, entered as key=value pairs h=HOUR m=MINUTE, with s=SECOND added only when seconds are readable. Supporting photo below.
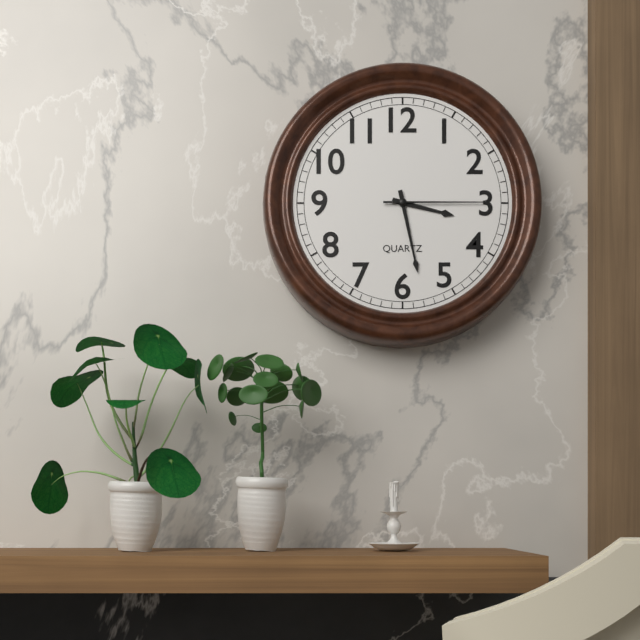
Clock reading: h=3 m=28 s=15
